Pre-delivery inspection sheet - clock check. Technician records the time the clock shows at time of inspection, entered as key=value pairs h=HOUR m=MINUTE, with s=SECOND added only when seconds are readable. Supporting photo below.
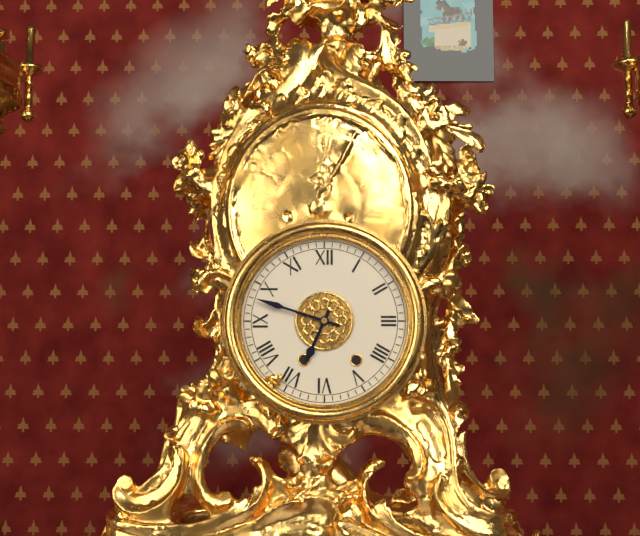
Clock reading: h=6 m=48
